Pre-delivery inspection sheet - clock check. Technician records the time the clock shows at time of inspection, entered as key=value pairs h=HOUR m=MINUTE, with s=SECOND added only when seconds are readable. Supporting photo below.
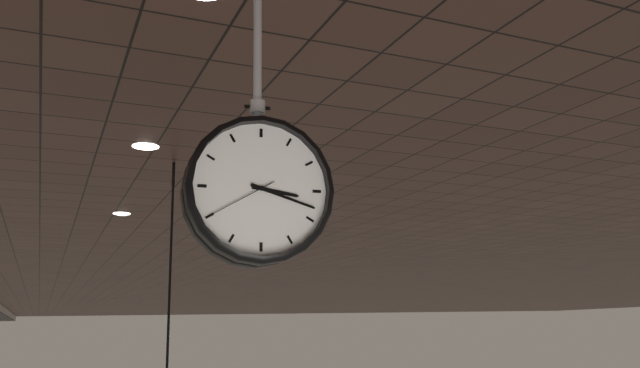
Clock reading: h=3 m=18 s=40
